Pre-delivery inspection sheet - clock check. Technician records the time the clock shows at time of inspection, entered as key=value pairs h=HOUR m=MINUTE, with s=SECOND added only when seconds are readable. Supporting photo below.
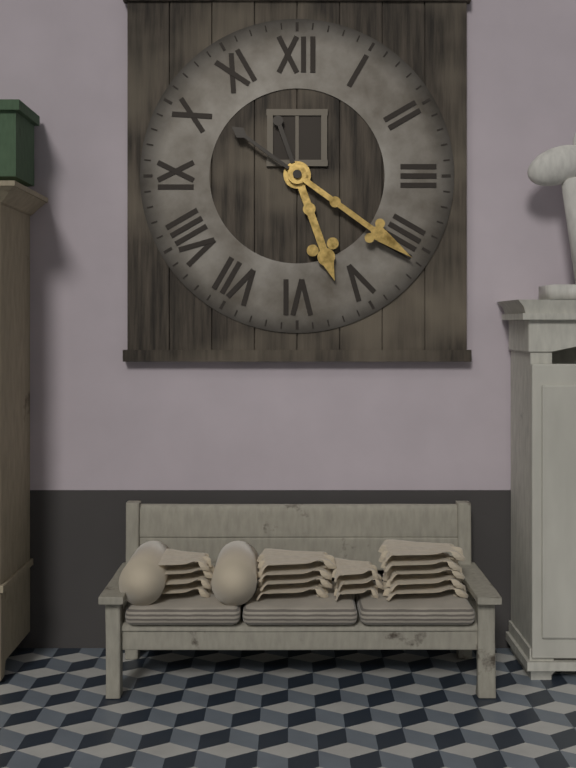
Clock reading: h=5 m=21
